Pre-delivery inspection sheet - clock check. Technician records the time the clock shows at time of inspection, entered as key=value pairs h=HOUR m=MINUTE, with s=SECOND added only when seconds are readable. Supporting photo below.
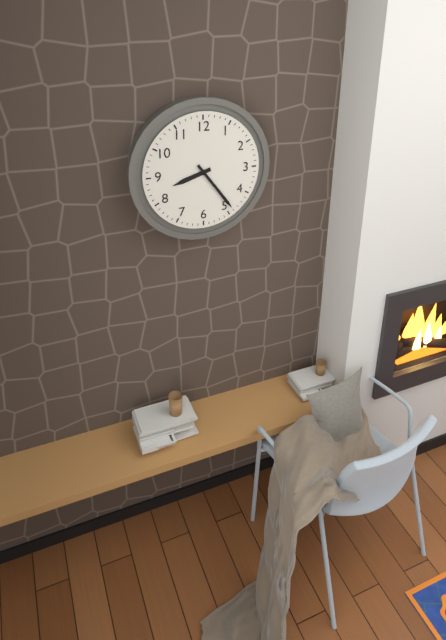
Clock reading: h=8 m=24
